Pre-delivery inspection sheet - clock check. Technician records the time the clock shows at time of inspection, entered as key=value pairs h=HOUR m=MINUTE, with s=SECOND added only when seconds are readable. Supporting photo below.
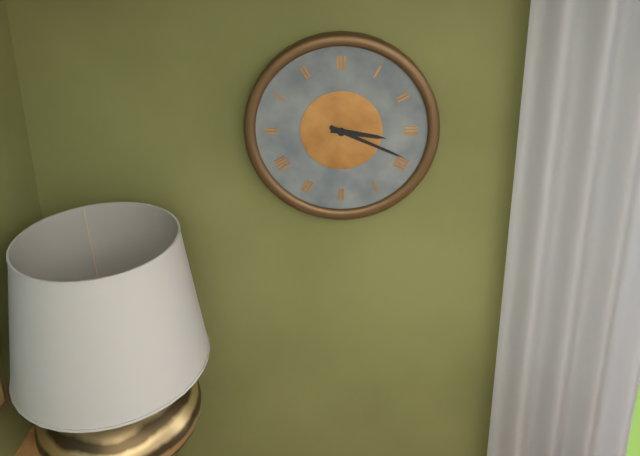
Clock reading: h=3 m=19
